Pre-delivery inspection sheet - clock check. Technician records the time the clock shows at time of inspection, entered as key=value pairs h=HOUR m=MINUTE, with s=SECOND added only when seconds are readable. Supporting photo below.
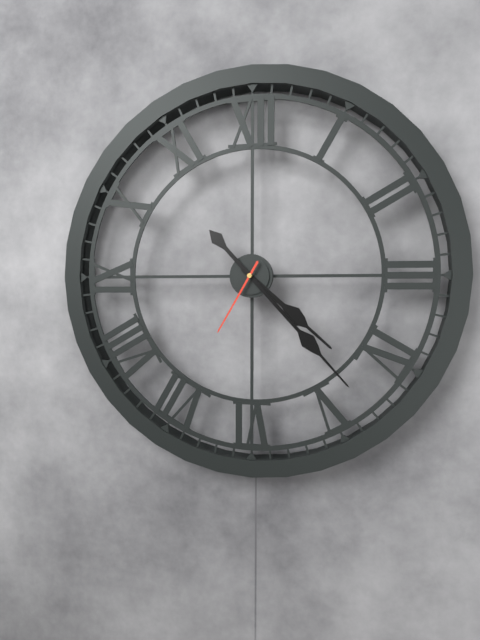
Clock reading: h=4 m=23 s=35
